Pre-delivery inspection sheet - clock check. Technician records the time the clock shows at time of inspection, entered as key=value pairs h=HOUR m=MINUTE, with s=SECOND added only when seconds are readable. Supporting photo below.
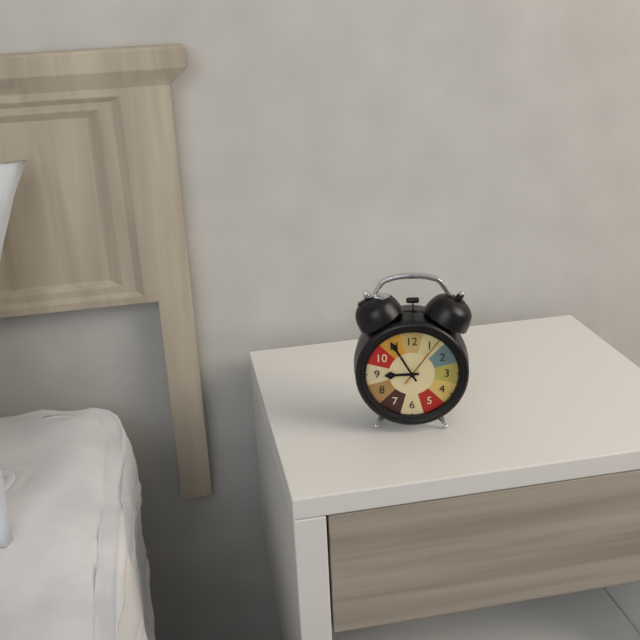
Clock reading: h=8 m=55 s=6
